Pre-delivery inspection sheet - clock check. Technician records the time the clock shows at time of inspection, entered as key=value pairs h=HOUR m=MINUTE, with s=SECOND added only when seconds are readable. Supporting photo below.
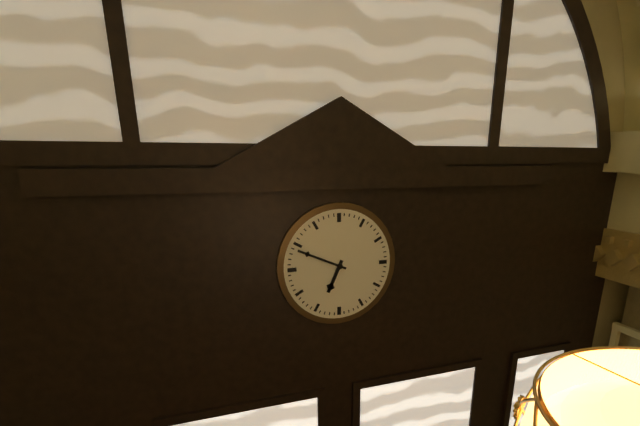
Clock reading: h=6 m=49
